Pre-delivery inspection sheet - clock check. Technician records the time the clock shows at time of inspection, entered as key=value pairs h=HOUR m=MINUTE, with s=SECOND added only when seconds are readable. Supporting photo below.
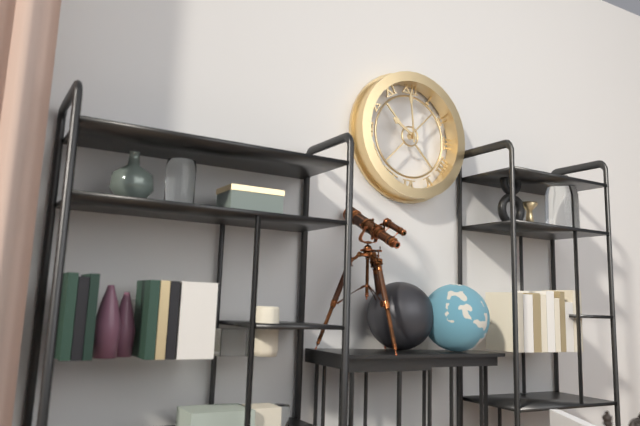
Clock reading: h=9 m=59
